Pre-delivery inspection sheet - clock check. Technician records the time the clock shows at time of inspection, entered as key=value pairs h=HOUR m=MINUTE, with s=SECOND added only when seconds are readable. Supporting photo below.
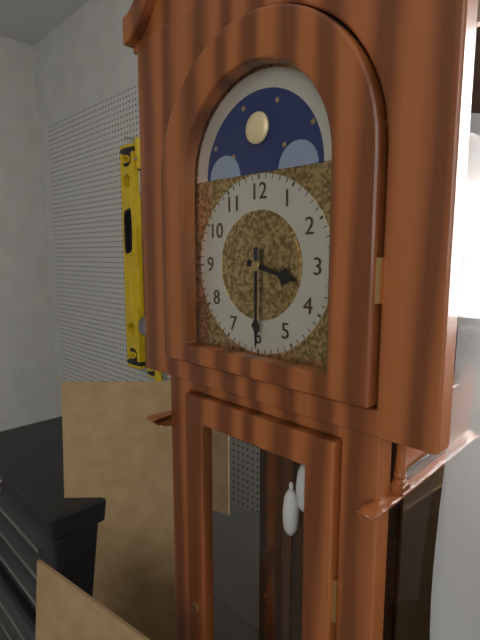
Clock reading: h=3 m=30
